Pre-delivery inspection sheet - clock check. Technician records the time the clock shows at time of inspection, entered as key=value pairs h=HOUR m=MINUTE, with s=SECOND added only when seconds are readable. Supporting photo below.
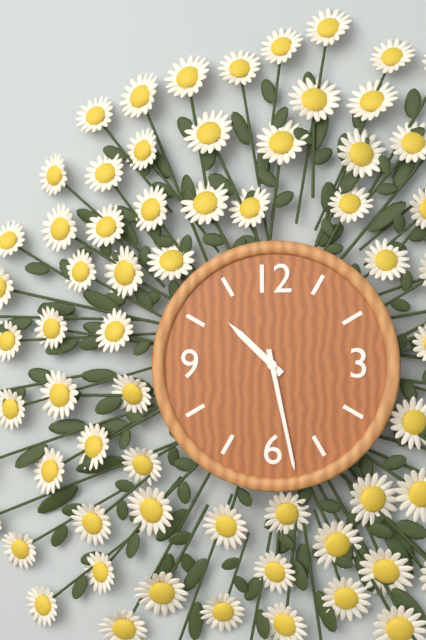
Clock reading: h=10 m=28
